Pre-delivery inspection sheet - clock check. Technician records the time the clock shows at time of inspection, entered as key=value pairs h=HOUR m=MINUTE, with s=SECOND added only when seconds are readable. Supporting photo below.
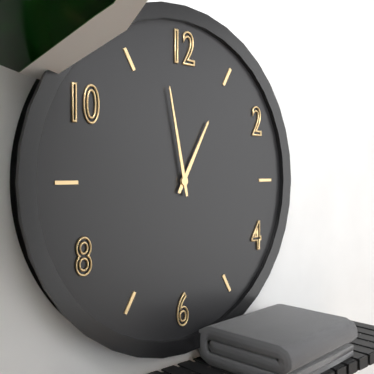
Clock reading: h=12 m=58
